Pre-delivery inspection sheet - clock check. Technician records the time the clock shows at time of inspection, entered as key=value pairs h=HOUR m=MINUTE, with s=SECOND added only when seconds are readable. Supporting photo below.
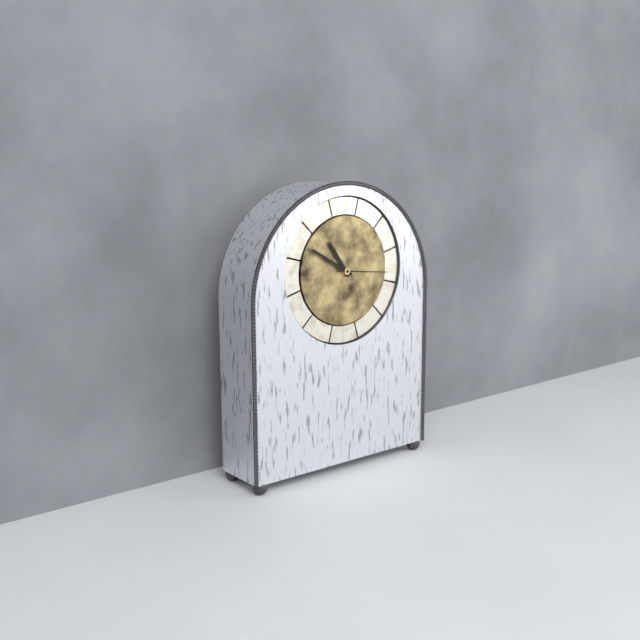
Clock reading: h=10 m=50 s=16
